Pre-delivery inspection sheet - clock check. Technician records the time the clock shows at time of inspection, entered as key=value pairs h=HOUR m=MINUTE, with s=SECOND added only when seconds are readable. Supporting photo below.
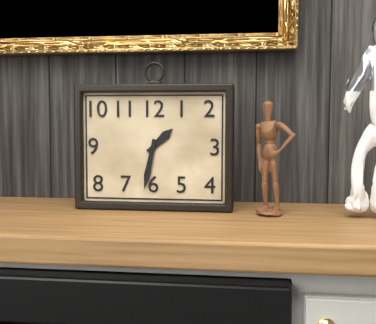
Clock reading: h=1 m=32
